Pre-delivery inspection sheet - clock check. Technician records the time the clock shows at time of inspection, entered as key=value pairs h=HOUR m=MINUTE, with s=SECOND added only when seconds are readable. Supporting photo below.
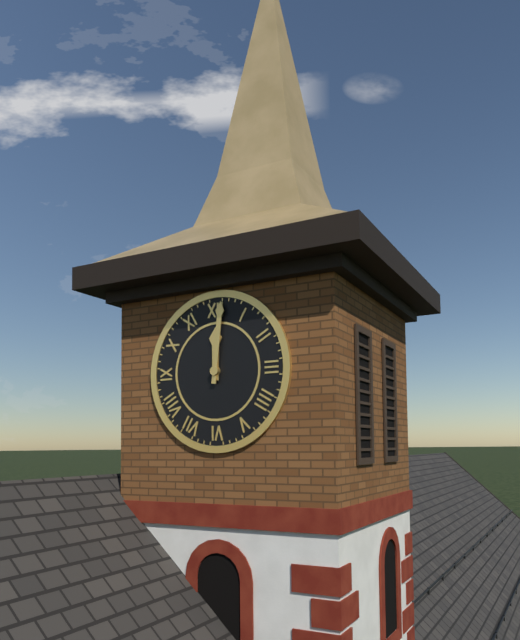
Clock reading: h=12 m=1
